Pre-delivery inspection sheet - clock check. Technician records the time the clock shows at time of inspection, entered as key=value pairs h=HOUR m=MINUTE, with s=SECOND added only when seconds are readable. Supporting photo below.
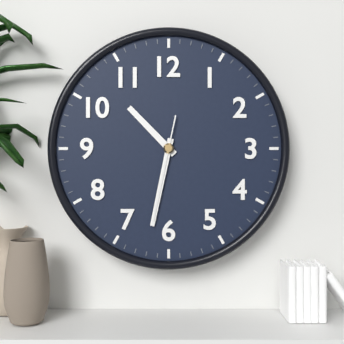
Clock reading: h=10 m=32 s=32
